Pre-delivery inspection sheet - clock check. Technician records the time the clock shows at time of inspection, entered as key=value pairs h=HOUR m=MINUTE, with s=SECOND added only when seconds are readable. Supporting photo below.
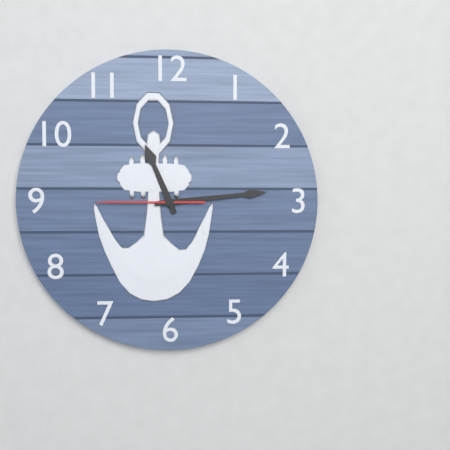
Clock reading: h=11 m=14 s=45
